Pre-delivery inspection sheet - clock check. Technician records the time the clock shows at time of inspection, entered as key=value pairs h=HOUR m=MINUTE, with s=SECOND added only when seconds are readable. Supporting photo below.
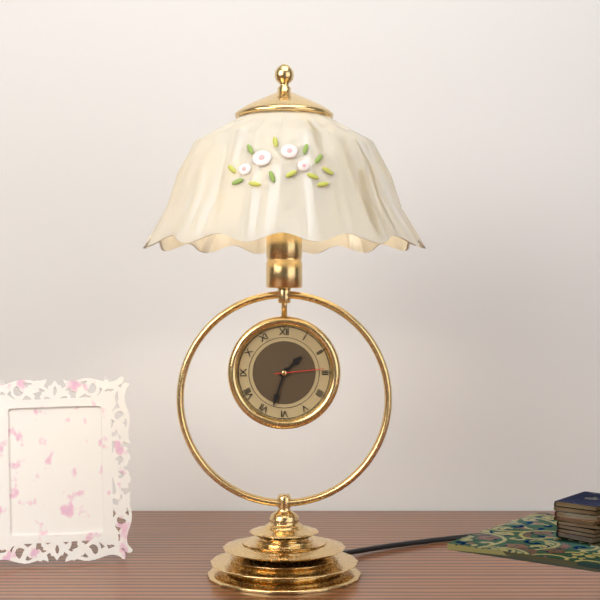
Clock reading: h=1 m=33 s=14
